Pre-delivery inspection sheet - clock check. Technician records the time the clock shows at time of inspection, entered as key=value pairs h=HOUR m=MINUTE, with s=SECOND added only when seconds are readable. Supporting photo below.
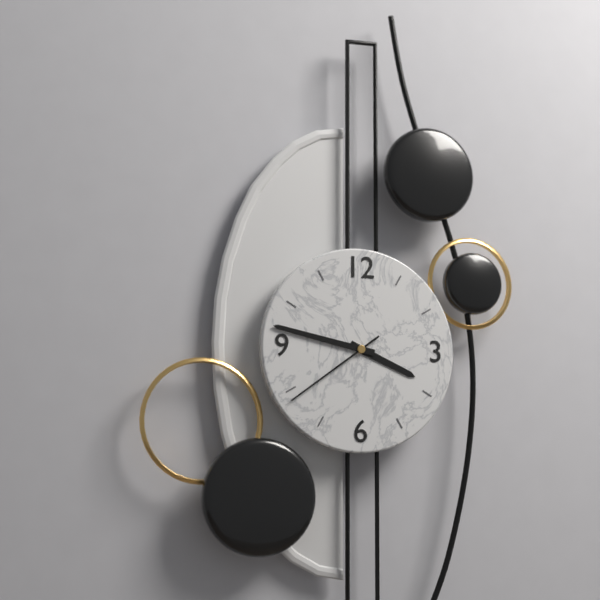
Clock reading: h=3 m=47 s=39
